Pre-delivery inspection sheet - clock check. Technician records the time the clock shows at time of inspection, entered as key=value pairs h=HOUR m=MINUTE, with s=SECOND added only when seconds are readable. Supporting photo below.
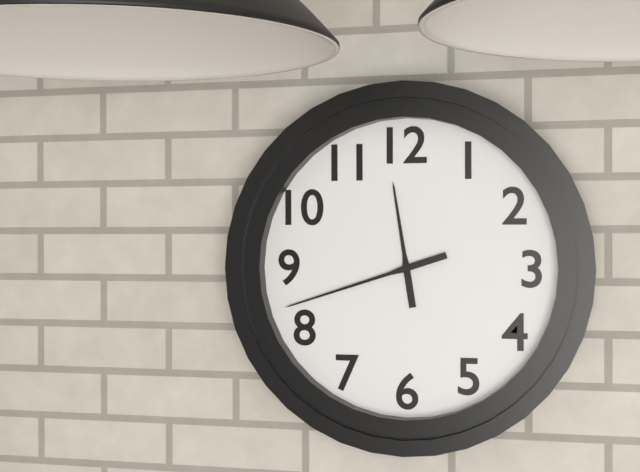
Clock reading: h=11 m=42
